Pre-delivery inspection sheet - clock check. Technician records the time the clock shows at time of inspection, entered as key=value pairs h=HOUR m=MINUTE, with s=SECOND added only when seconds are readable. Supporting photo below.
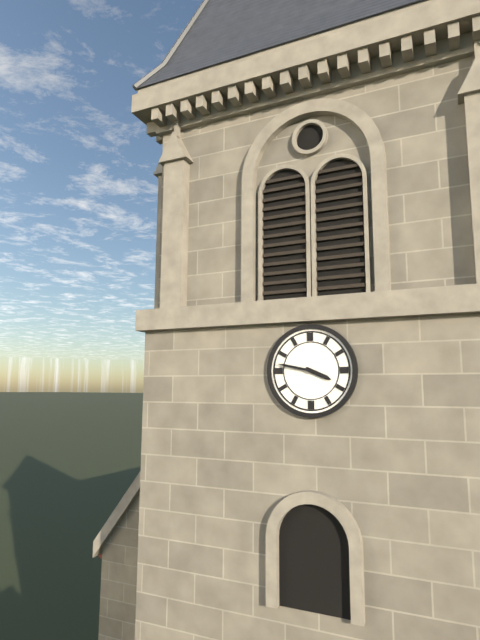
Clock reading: h=3 m=47
